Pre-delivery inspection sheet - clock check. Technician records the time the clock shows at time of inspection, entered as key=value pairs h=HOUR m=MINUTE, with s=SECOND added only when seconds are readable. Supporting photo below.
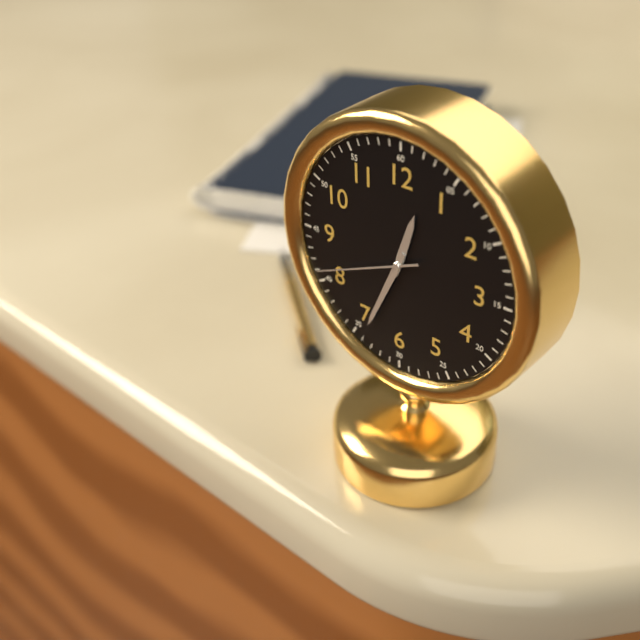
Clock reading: h=12 m=34 s=41
